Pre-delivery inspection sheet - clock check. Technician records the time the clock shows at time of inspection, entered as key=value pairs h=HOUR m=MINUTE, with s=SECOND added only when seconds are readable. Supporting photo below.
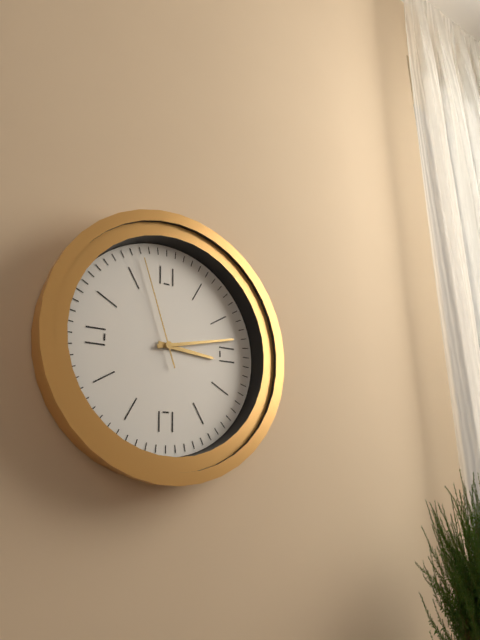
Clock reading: h=3 m=13 s=57
